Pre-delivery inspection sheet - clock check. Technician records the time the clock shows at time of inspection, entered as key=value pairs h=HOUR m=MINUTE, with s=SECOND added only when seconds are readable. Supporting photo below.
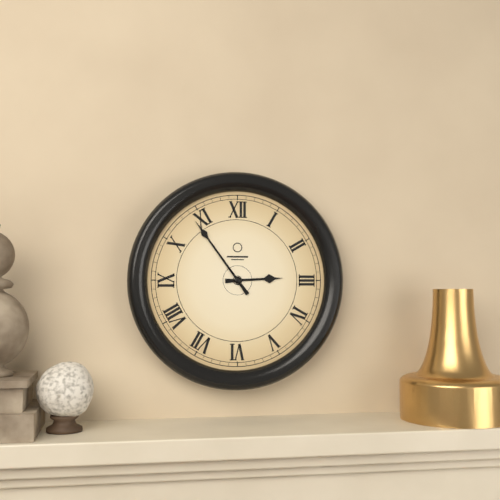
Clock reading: h=2 m=54
